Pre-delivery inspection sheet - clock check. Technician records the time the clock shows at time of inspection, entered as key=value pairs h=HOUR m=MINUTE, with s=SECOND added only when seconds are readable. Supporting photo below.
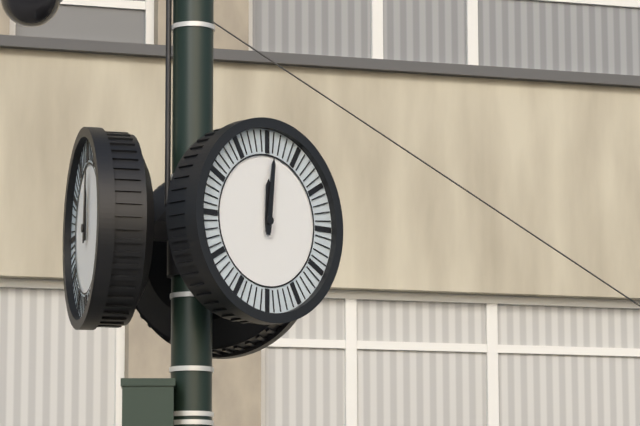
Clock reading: h=12 m=1
